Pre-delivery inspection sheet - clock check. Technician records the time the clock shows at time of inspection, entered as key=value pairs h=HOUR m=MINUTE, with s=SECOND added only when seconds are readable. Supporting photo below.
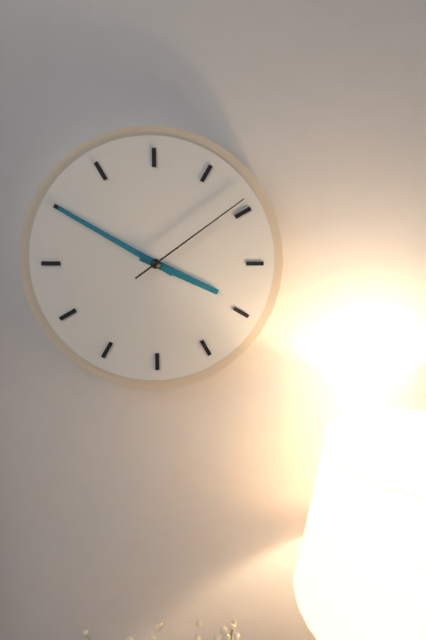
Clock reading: h=3 m=50 s=9
